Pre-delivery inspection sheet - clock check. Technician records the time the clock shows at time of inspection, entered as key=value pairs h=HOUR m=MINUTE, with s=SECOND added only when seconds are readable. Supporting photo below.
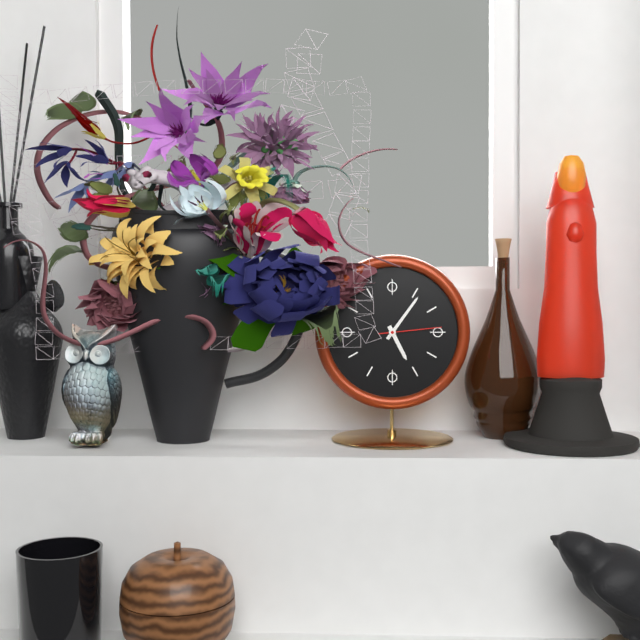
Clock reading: h=5 m=6 s=14
